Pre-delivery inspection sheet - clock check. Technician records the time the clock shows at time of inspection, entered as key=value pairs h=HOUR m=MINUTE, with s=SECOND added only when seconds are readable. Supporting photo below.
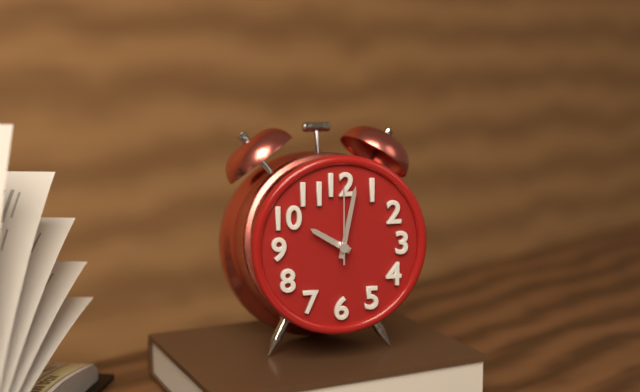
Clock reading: h=10 m=2 s=0
